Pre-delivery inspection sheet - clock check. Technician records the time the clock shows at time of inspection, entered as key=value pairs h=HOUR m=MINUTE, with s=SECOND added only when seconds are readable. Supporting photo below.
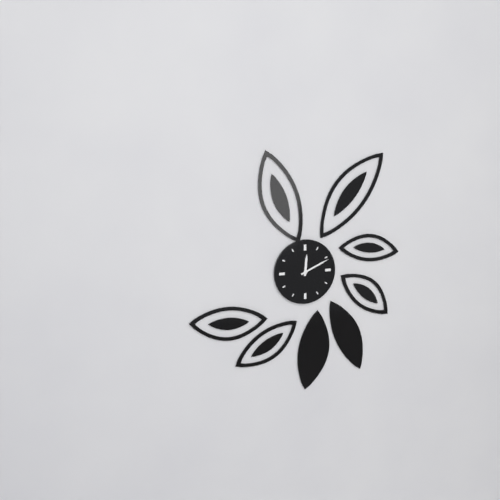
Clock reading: h=12 m=11
